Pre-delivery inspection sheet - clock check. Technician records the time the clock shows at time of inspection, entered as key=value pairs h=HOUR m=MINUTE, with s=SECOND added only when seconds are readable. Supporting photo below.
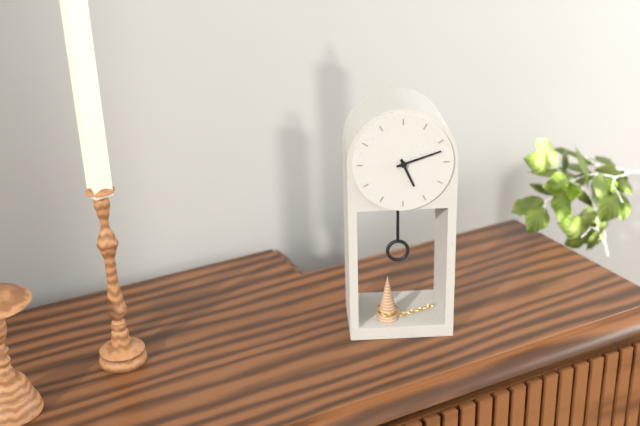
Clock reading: h=5 m=12
